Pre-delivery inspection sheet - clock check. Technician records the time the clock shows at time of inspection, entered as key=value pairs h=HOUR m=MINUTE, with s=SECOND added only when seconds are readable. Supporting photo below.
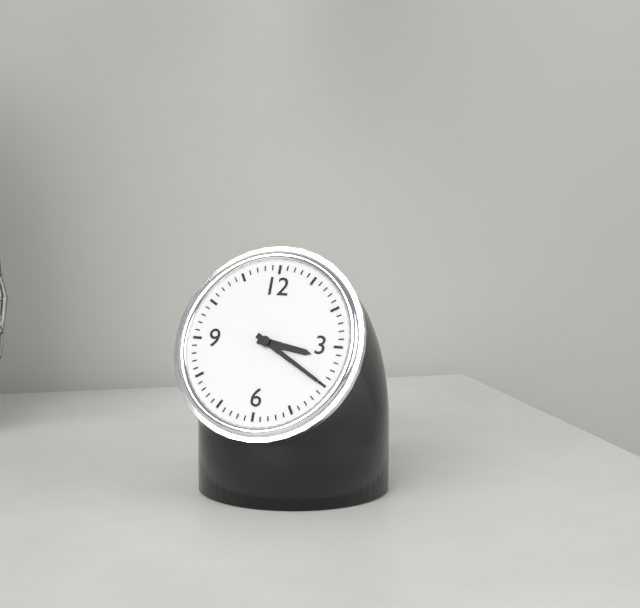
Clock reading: h=3 m=20
